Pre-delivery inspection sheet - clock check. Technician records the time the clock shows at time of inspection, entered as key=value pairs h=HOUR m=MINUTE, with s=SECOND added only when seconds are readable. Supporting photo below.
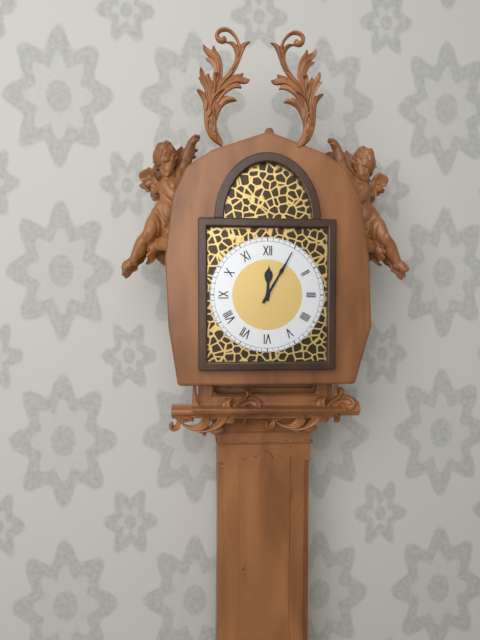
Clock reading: h=12 m=5
